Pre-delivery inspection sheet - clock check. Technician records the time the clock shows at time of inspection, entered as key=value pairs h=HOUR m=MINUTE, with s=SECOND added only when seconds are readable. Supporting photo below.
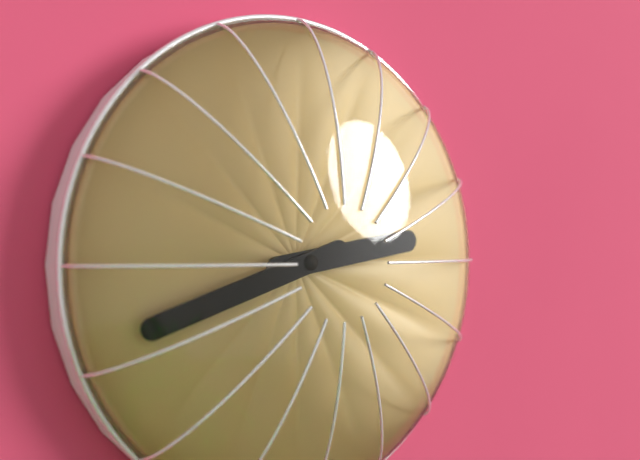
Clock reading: h=2 m=42
